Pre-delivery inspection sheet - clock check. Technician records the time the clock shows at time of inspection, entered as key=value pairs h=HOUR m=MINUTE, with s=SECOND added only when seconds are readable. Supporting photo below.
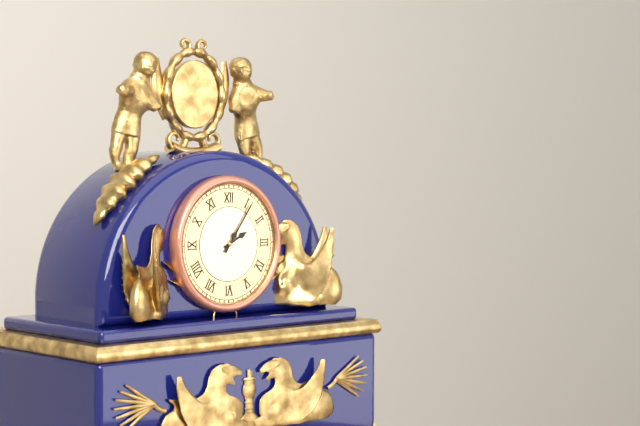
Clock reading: h=2 m=6
